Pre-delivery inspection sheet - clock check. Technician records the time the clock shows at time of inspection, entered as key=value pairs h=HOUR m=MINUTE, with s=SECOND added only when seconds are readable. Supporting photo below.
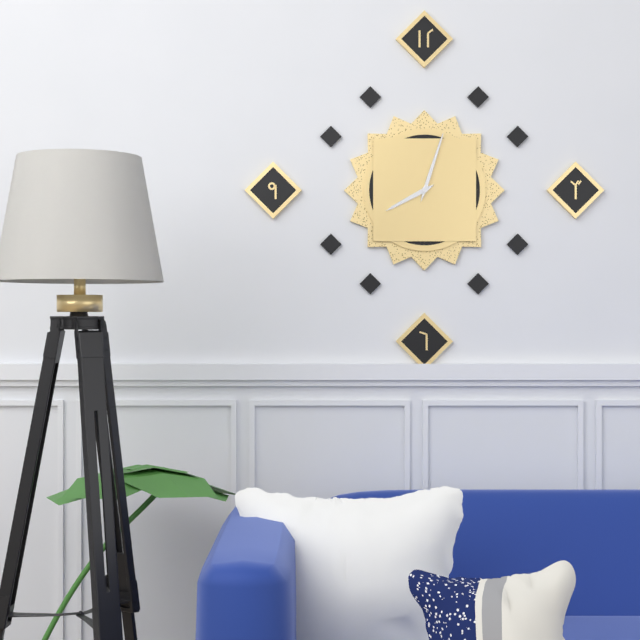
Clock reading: h=8 m=3
